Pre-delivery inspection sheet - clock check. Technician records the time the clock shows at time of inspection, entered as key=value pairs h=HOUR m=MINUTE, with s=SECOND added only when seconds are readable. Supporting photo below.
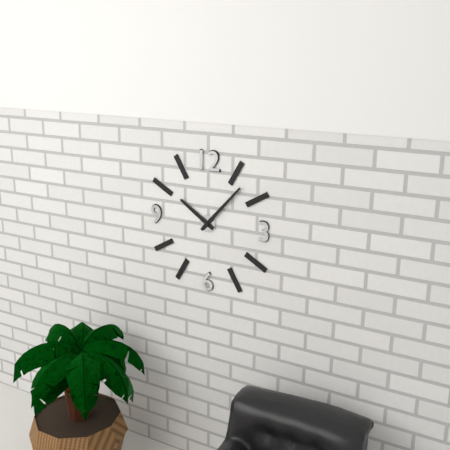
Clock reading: h=10 m=7
